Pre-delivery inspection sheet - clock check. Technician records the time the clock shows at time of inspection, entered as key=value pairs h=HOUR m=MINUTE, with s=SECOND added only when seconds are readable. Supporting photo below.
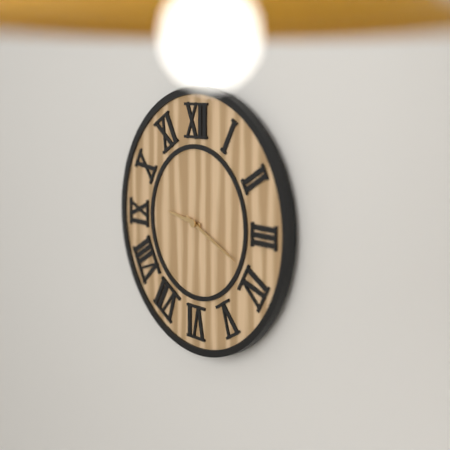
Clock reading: h=9 m=19
